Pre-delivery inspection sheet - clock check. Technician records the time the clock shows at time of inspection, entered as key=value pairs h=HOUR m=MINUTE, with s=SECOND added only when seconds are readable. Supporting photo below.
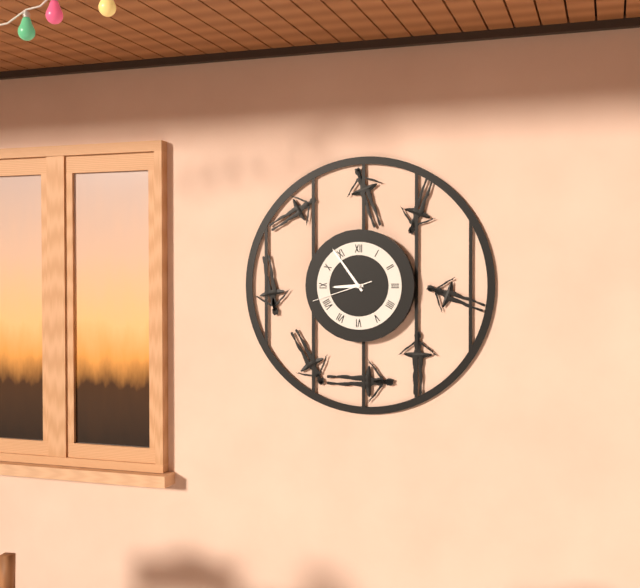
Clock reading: h=8 m=54 s=42
